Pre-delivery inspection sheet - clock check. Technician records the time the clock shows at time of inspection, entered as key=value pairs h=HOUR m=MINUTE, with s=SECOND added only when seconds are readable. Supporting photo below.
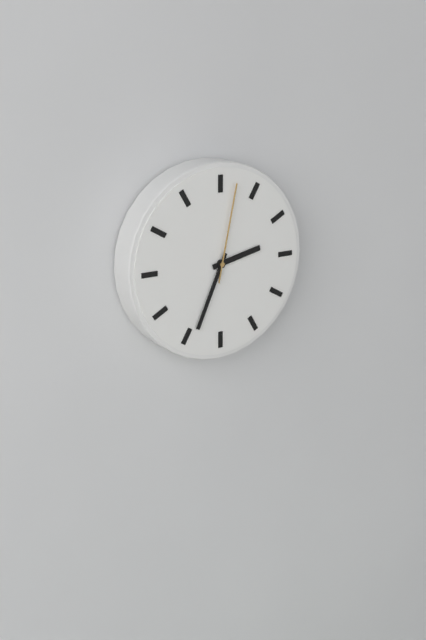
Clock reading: h=2 m=34 s=2
